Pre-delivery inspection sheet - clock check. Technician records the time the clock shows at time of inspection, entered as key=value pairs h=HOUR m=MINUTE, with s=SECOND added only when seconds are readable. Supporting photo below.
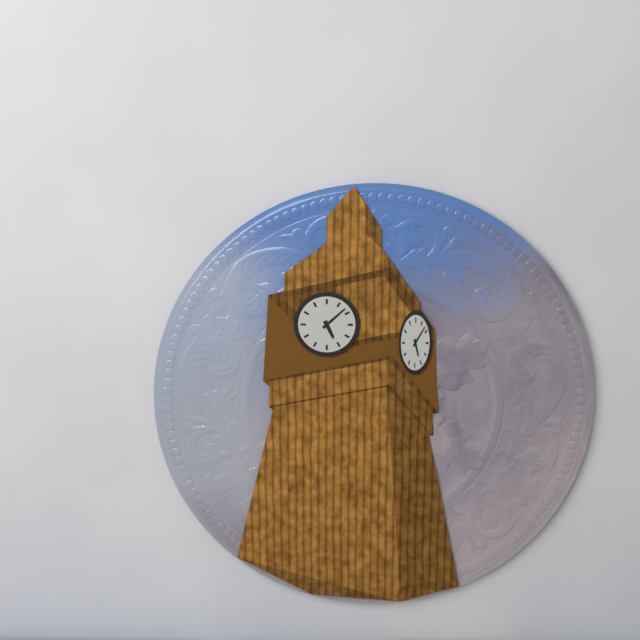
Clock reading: h=5 m=8
